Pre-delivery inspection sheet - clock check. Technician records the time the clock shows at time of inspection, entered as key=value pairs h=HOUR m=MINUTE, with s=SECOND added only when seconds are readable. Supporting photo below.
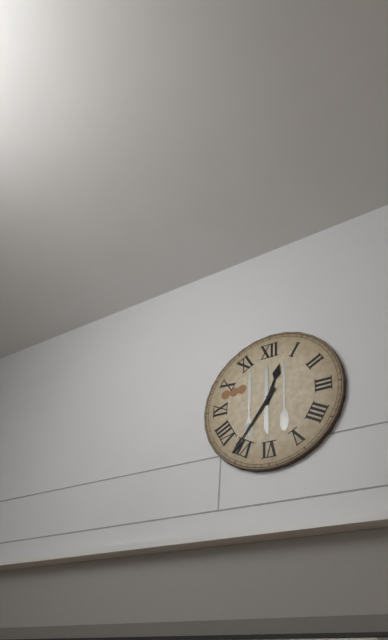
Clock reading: h=12 m=36
